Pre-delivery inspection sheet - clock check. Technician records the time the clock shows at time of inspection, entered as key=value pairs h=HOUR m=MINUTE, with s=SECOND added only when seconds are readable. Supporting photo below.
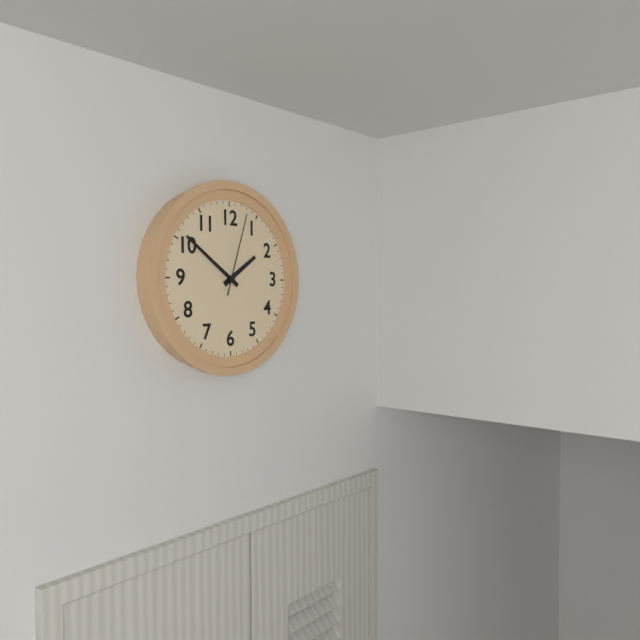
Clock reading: h=1 m=51 s=3
